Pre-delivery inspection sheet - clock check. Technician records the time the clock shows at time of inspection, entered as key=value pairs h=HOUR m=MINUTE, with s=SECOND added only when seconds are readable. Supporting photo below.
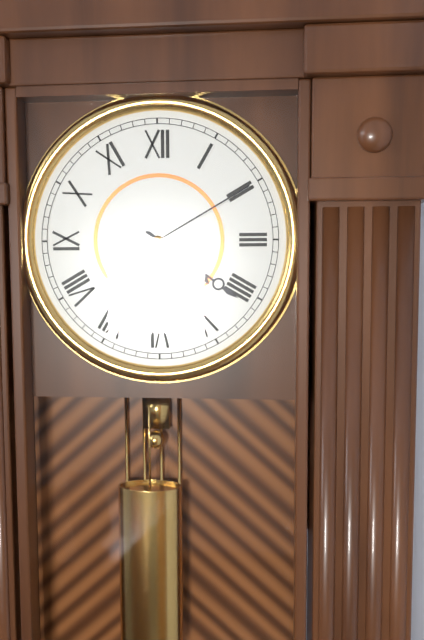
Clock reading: h=4 m=21 s=10
